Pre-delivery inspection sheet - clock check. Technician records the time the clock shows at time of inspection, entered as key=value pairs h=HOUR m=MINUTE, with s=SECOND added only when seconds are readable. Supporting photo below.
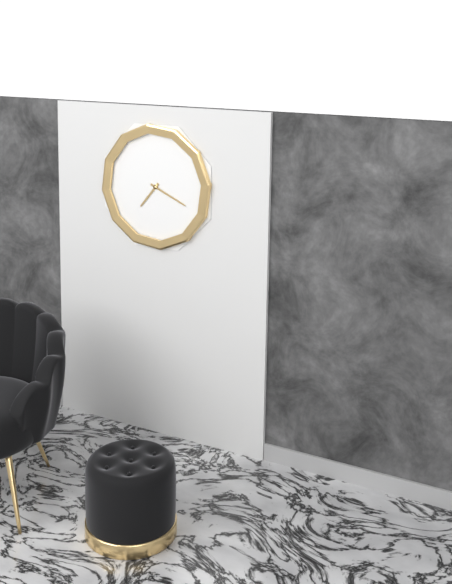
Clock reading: h=7 m=19
